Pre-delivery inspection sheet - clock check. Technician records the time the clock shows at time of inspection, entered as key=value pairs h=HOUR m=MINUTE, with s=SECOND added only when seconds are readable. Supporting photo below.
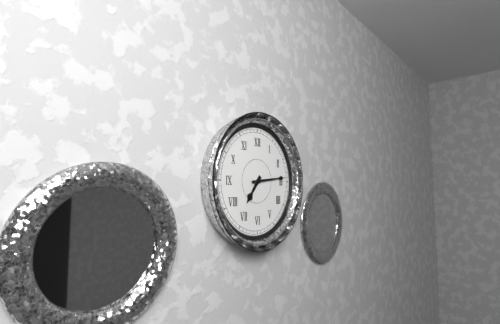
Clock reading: h=7 m=14
